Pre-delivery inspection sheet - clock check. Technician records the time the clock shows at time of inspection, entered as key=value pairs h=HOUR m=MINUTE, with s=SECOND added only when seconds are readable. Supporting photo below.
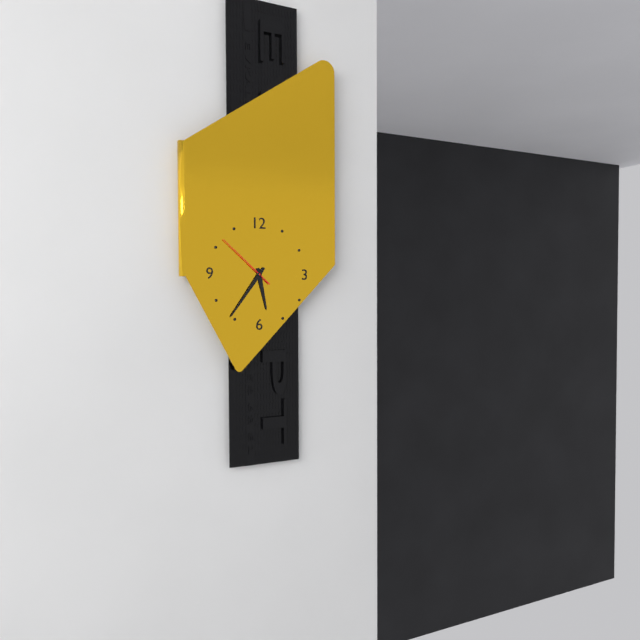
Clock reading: h=5 m=36 s=52
